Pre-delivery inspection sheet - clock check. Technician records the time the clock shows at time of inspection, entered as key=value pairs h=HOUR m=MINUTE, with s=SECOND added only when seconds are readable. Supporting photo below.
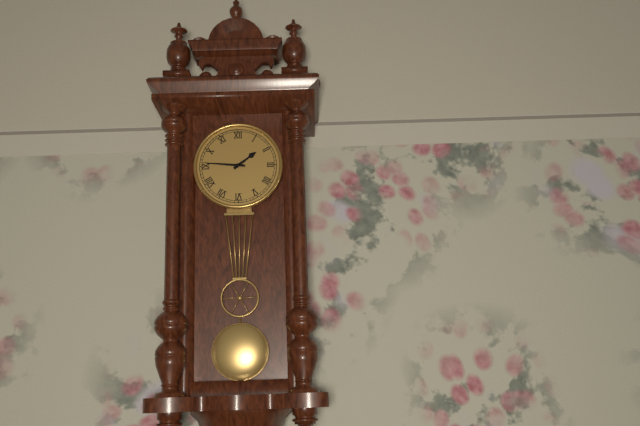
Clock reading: h=1 m=46
